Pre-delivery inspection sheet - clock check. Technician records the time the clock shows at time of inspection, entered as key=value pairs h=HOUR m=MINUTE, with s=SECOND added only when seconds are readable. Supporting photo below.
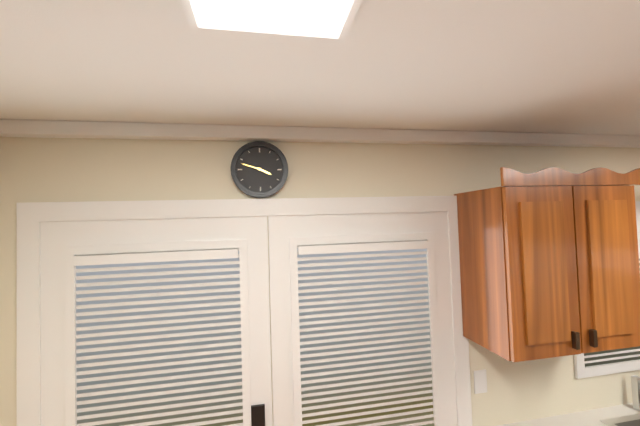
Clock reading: h=3 m=48
